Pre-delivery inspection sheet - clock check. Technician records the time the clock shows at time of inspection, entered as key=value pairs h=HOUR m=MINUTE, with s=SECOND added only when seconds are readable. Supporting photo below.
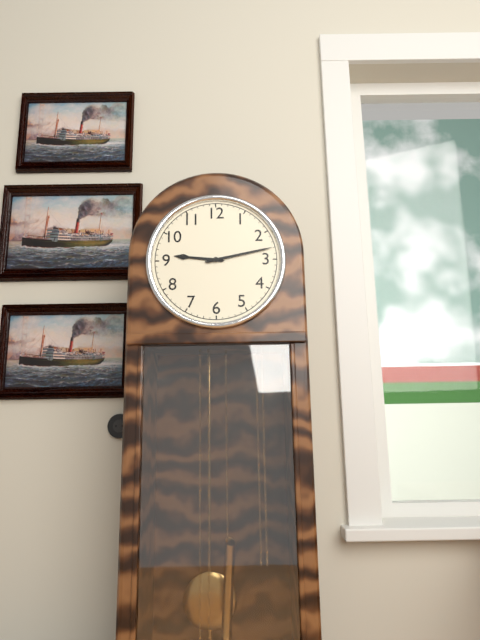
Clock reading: h=9 m=13
